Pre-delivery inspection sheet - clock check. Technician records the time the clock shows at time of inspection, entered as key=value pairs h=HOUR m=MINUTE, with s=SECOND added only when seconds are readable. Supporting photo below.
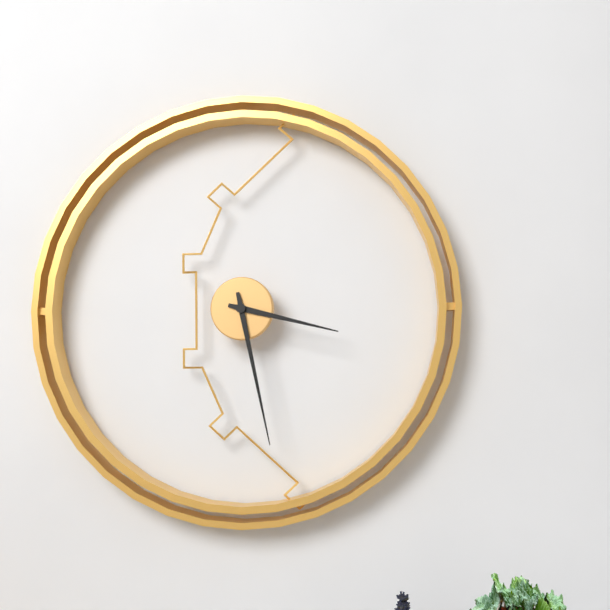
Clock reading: h=3 m=28
